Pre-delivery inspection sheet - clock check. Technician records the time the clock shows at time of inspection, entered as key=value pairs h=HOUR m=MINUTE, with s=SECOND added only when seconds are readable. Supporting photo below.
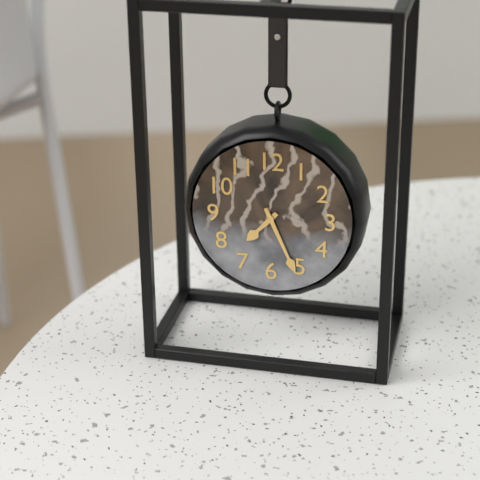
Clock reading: h=7 m=26
